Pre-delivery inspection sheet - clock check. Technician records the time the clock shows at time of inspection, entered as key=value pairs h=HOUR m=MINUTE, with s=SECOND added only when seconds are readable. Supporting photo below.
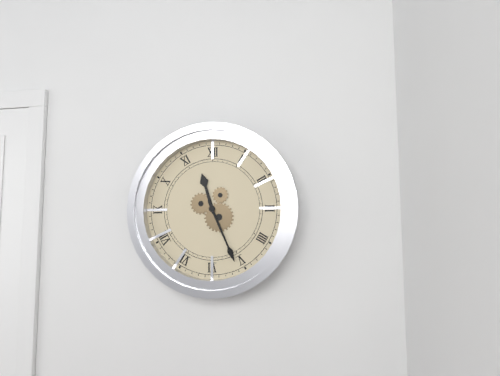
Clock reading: h=11 m=26
